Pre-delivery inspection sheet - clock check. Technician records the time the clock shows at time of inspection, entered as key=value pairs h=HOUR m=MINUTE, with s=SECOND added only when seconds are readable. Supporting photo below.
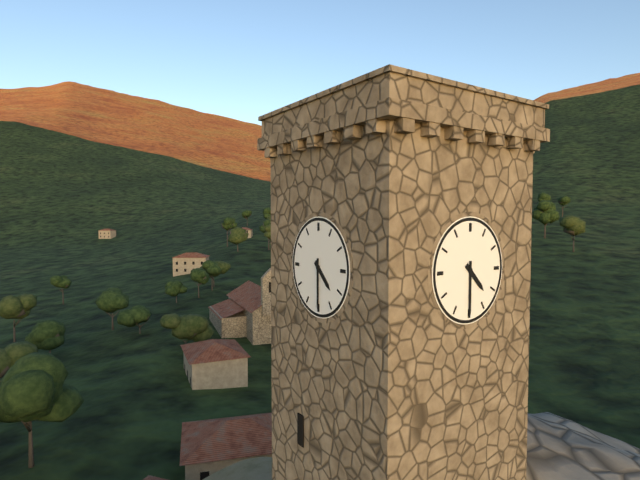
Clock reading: h=4 m=30
